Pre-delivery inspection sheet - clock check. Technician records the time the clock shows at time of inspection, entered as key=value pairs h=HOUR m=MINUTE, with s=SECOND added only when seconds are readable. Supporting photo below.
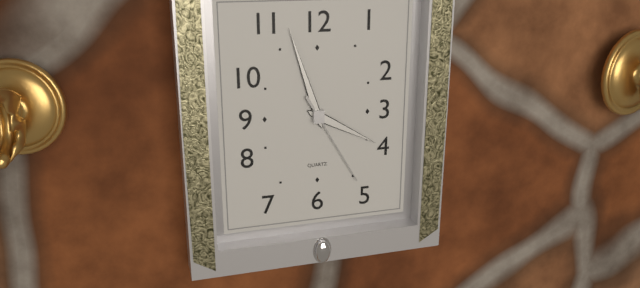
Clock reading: h=3 m=57 s=25
